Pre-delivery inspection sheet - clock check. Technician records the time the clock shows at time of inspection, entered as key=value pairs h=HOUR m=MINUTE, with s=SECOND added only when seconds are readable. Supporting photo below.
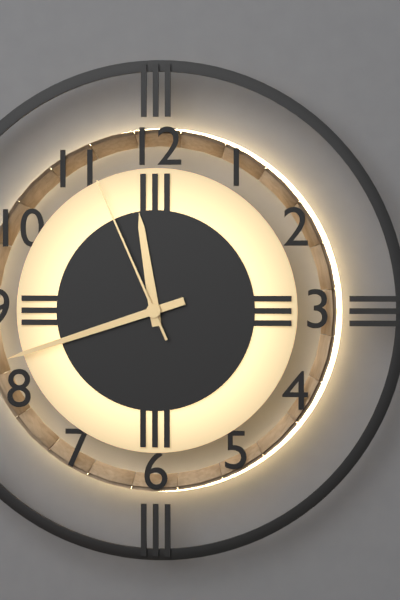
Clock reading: h=11 m=42 s=56
